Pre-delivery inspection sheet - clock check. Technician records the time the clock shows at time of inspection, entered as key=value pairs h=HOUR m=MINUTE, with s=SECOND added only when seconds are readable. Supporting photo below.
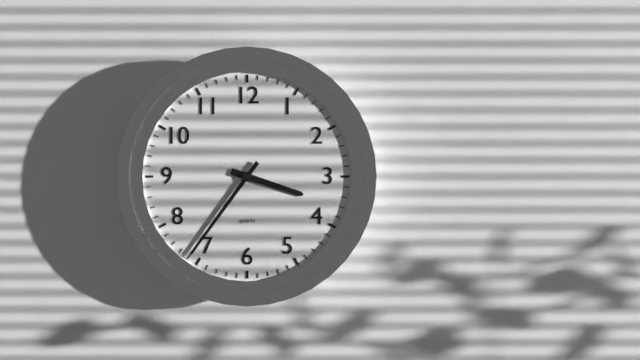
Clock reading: h=3 m=36
